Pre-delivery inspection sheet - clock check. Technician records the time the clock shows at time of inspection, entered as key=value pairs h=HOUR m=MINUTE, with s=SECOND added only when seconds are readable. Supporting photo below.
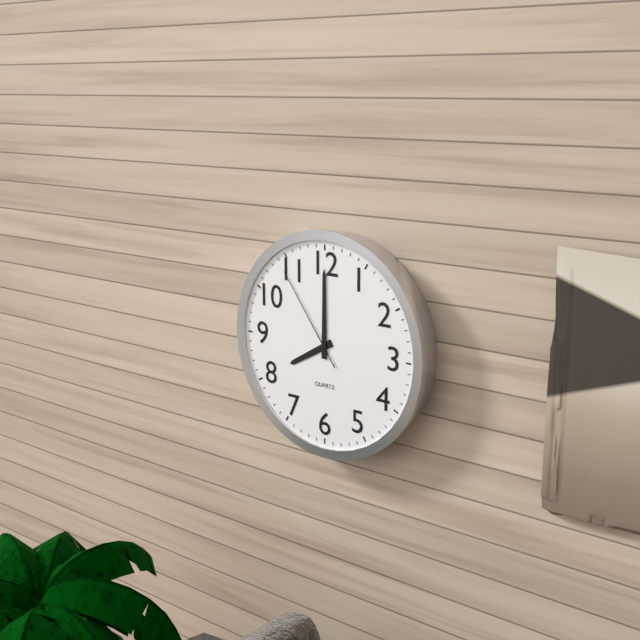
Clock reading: h=8 m=0 s=54
